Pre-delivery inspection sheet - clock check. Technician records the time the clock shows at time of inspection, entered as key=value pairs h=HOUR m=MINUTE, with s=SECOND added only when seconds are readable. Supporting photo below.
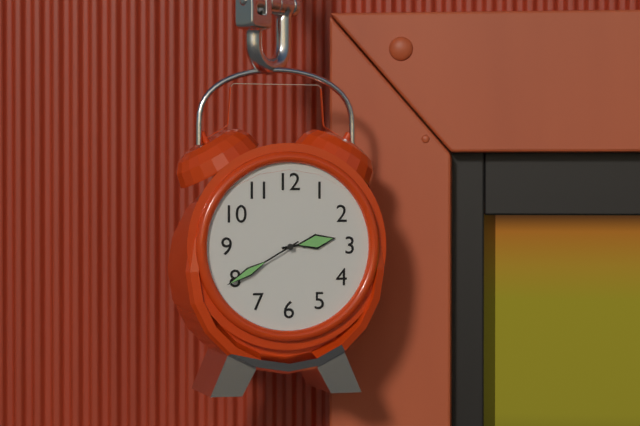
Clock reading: h=2 m=40
